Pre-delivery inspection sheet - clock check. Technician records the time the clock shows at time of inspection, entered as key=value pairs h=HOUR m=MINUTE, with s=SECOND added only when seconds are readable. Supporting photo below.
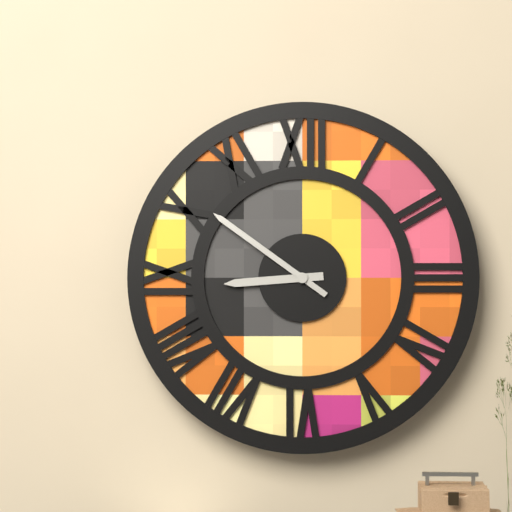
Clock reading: h=8 m=51
